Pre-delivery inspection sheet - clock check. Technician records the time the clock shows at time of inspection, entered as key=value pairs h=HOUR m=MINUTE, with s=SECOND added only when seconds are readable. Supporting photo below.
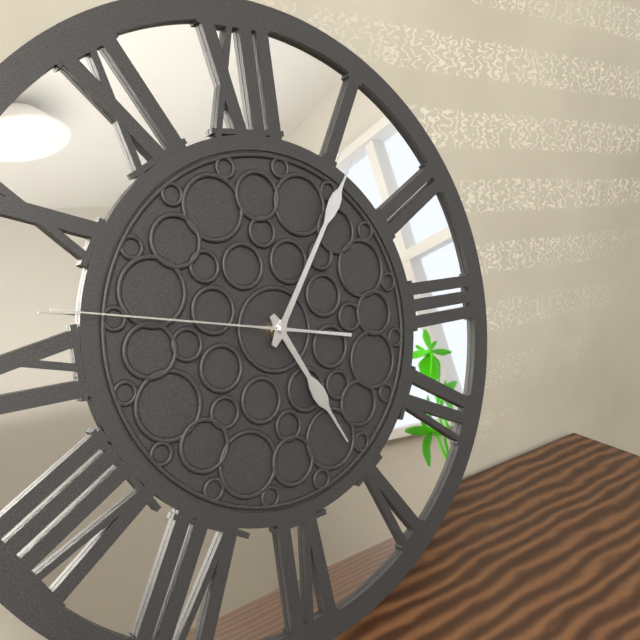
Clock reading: h=5 m=6 s=47
